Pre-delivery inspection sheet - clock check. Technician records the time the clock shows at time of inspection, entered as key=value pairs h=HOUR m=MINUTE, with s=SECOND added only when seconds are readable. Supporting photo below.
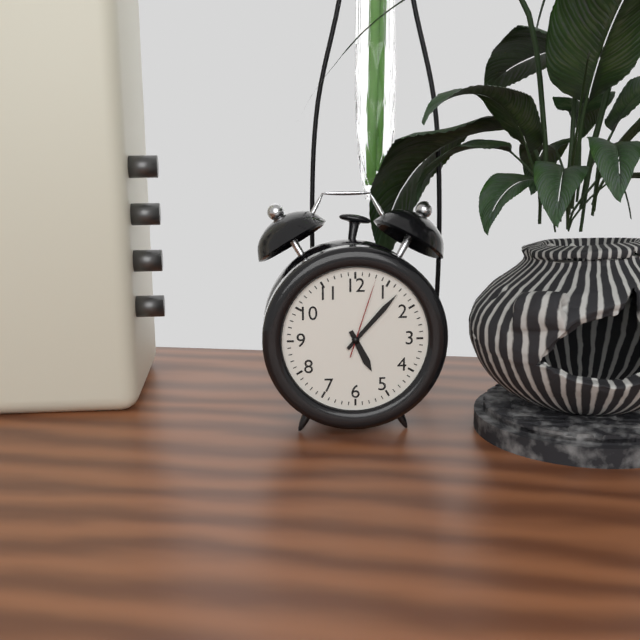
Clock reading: h=5 m=7 s=3
